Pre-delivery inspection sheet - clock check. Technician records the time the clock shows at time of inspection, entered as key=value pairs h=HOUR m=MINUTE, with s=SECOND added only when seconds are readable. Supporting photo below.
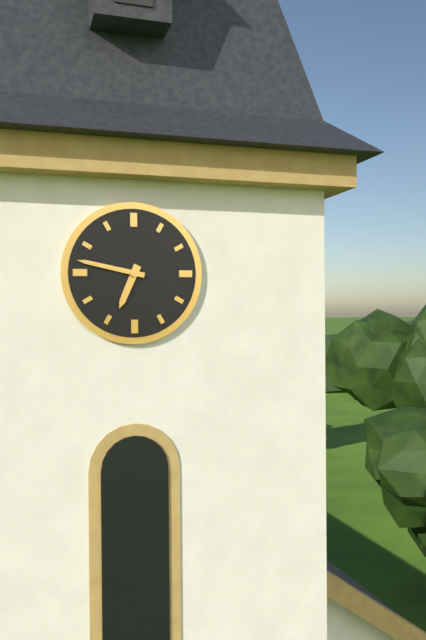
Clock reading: h=6 m=47
